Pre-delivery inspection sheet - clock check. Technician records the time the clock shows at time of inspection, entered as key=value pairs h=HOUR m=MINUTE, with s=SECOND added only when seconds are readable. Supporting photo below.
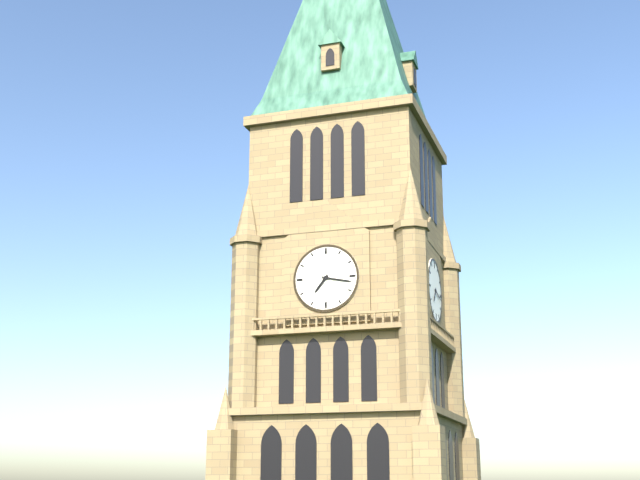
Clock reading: h=7 m=17
